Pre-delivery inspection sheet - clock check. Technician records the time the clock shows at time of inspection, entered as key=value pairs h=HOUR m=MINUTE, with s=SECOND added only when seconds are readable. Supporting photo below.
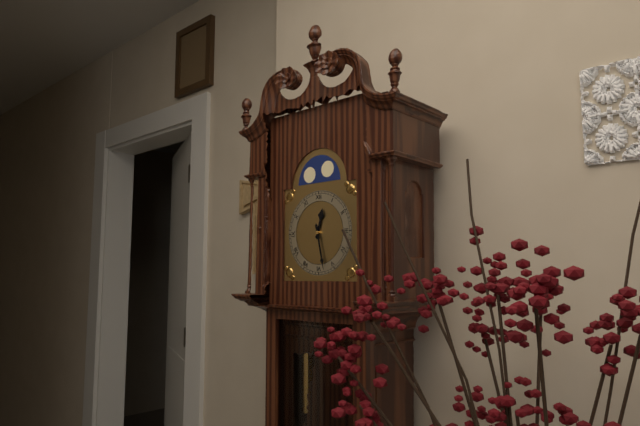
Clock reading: h=12 m=28
